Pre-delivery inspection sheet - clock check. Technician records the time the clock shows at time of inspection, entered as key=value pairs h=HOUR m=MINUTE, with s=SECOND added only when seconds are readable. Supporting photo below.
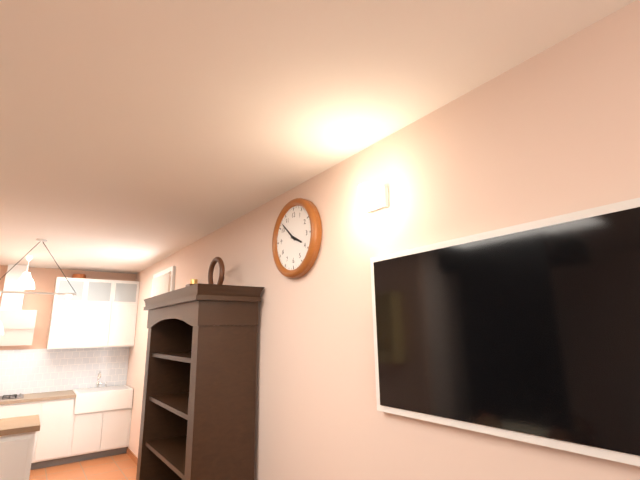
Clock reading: h=3 m=52
